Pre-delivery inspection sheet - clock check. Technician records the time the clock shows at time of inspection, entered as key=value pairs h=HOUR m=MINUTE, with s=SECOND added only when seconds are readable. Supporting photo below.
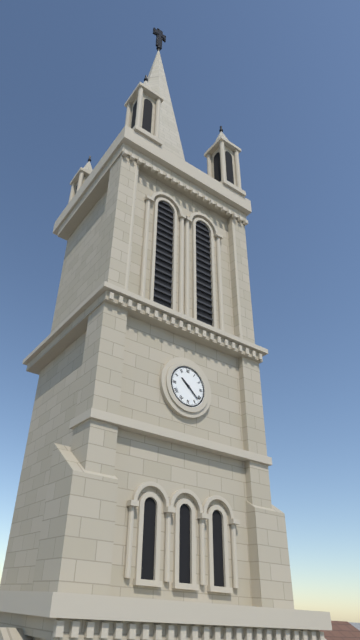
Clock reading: h=10 m=22
